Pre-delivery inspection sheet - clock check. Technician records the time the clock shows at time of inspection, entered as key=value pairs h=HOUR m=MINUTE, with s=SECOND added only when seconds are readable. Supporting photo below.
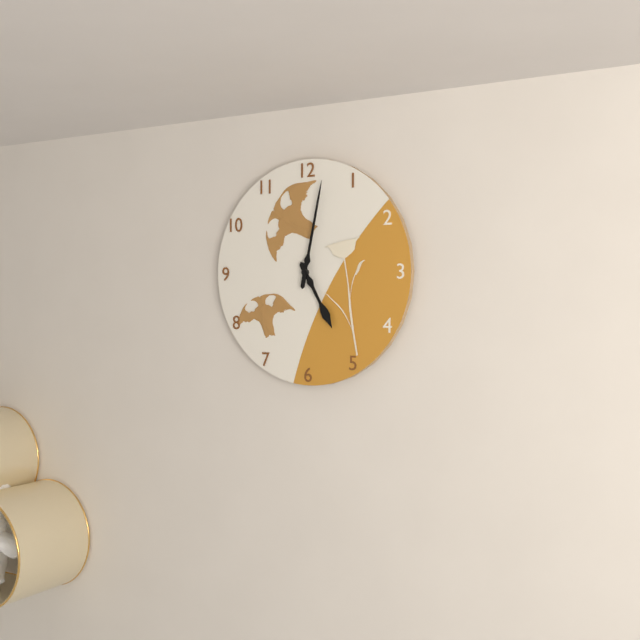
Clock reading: h=5 m=2
